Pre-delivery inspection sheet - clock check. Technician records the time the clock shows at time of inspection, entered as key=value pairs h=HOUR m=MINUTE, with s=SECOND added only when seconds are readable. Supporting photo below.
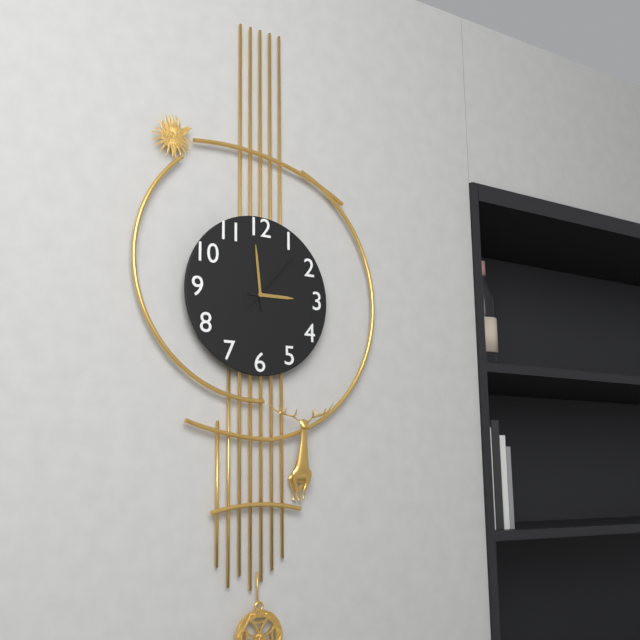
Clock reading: h=2 m=59 s=7
